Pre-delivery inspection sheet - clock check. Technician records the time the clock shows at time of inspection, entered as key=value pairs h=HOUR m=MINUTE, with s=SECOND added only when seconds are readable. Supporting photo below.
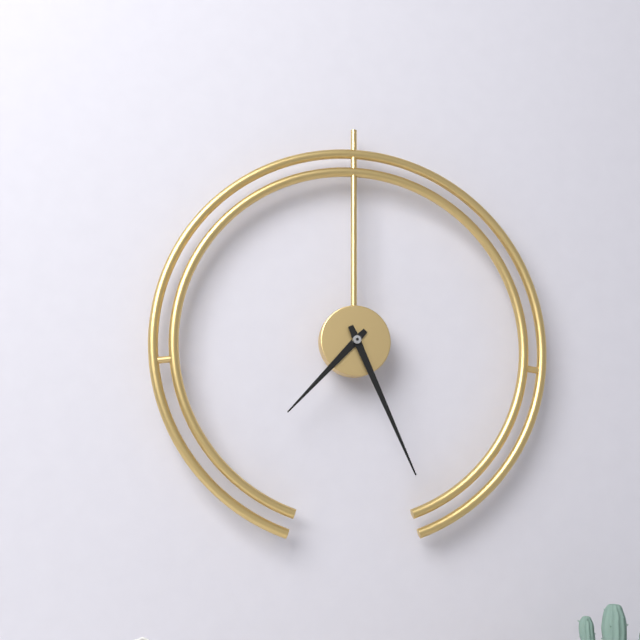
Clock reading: h=7 m=26
